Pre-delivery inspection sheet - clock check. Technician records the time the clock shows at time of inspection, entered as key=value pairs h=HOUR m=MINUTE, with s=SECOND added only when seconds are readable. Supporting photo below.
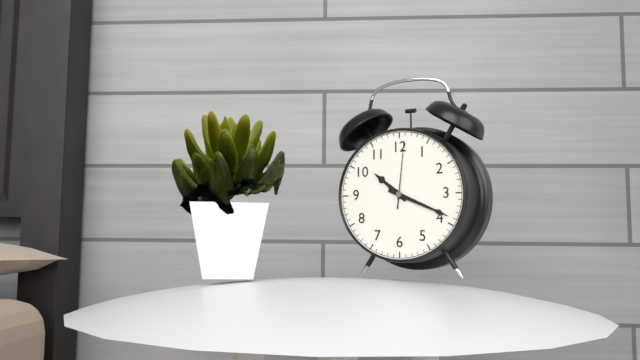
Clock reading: h=10 m=19 s=1
